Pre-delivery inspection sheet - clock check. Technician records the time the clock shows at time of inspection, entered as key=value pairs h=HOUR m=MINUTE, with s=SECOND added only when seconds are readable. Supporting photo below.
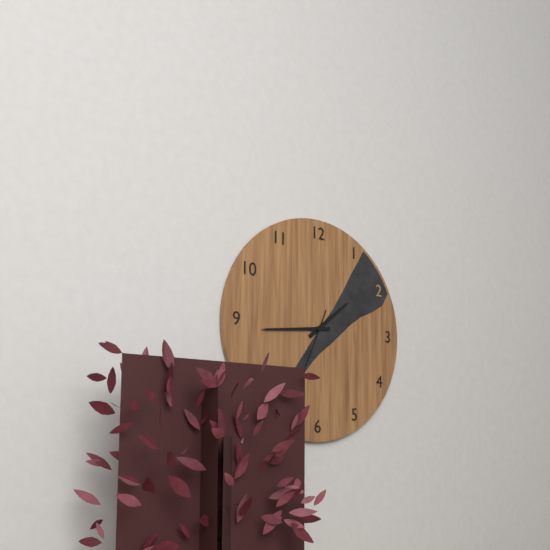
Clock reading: h=1 m=44
